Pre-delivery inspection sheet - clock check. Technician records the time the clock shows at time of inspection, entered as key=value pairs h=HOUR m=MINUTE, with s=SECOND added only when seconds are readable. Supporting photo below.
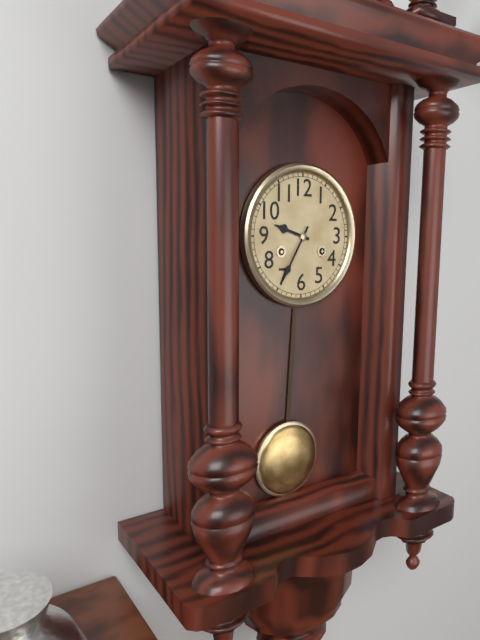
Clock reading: h=9 m=35
